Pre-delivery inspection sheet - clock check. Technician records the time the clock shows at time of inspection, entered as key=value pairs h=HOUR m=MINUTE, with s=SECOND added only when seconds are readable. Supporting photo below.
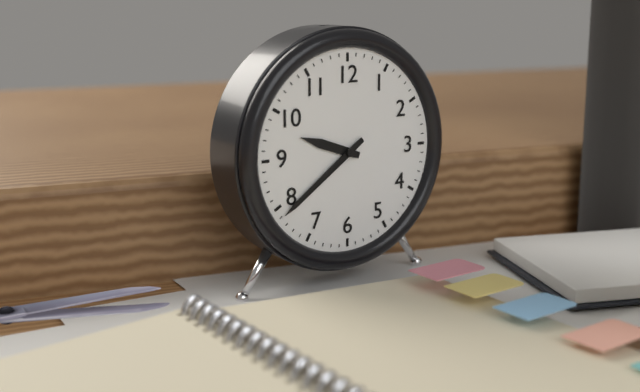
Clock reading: h=9 m=39
